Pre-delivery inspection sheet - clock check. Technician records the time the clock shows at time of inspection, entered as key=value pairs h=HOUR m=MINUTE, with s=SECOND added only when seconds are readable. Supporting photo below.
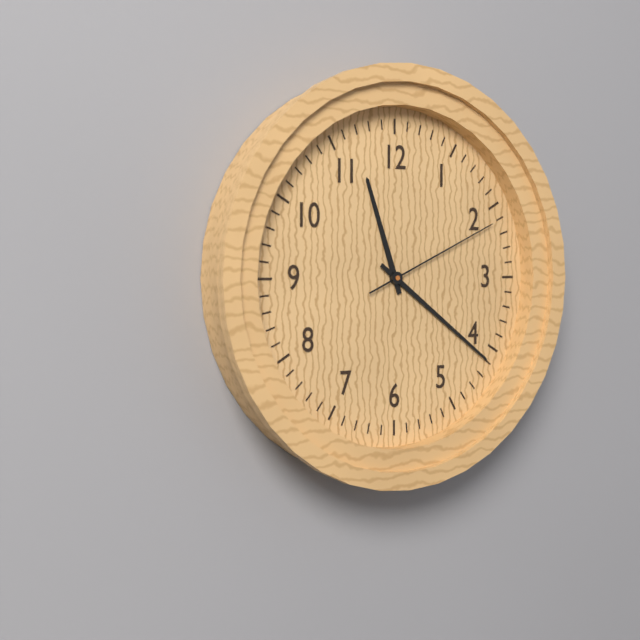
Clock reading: h=11 m=21 s=11
